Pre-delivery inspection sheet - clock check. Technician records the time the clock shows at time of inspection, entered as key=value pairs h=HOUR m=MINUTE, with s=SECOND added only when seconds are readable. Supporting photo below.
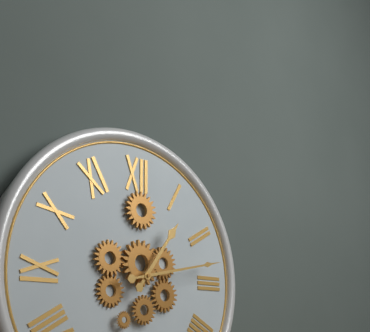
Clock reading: h=1 m=13
